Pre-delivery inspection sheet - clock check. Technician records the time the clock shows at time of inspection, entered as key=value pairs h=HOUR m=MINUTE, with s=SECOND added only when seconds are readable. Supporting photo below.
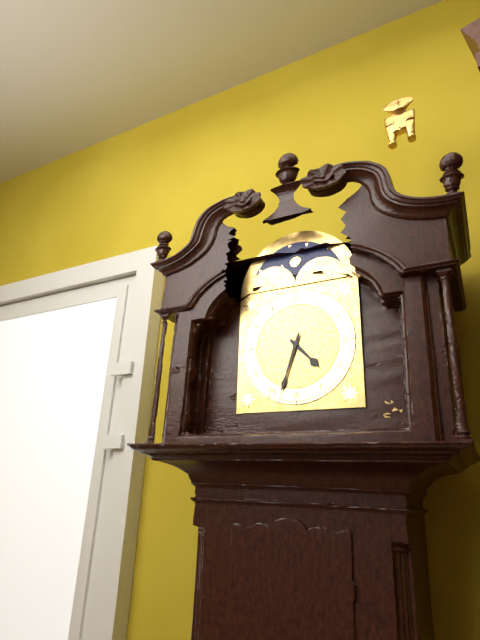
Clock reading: h=4 m=33
